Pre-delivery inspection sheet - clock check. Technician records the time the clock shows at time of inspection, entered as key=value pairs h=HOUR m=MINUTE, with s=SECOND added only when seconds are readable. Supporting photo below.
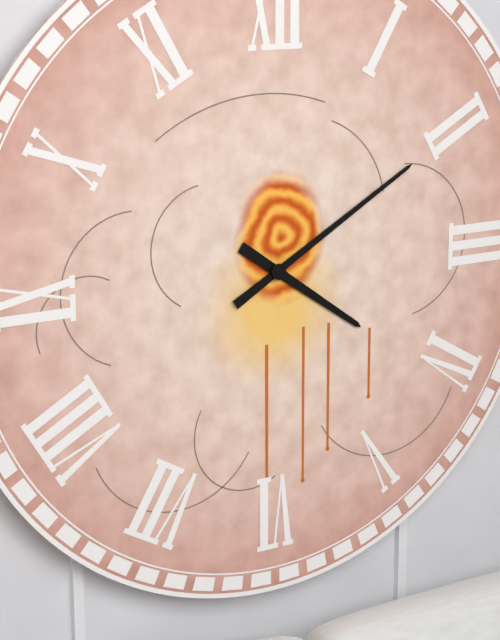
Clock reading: h=4 m=10
